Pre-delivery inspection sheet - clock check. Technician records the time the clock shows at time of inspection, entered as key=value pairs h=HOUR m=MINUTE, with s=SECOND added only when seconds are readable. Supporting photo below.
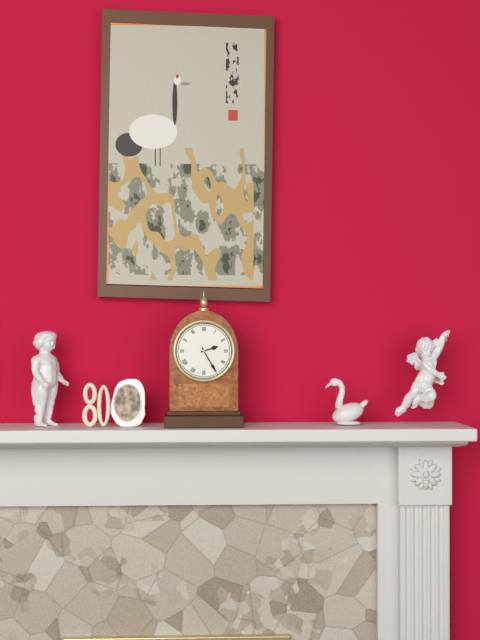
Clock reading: h=2 m=25
